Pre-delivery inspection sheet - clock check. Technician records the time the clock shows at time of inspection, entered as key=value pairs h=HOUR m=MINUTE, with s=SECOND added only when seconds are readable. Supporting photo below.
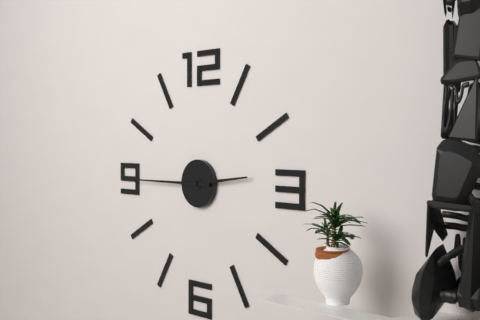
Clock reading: h=2 m=45
